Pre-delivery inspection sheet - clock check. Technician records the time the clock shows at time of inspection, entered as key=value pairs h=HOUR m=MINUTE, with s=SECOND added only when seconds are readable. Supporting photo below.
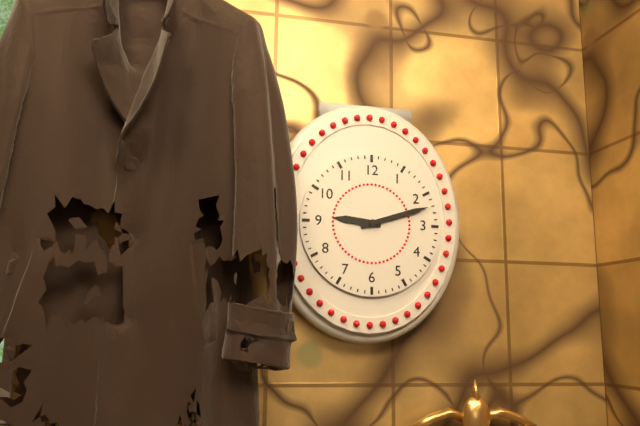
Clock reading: h=9 m=12
